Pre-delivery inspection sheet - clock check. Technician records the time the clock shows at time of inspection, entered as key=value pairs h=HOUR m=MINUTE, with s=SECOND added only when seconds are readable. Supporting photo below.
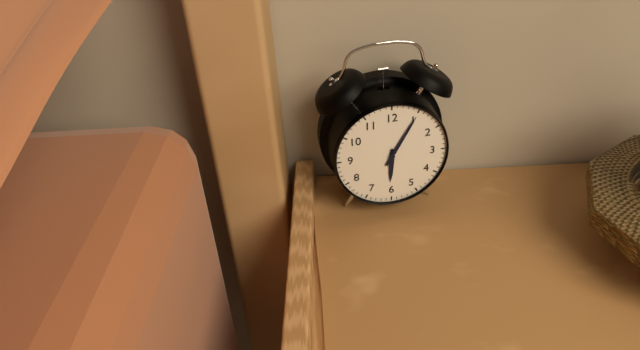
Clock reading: h=6 m=5
